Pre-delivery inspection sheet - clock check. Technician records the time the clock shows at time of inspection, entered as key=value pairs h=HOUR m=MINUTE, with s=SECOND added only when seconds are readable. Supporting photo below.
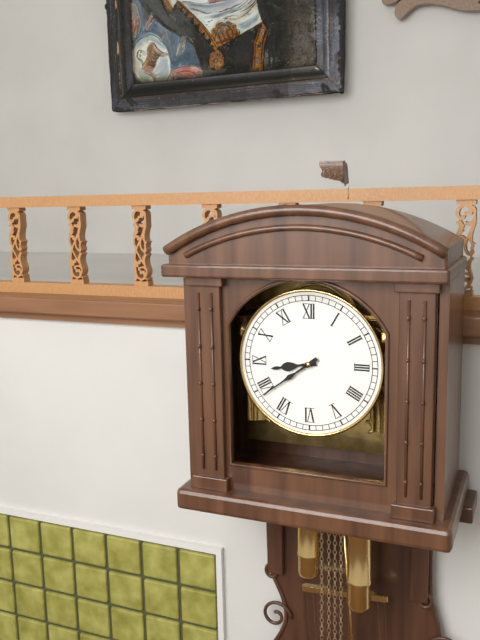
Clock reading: h=8 m=39
